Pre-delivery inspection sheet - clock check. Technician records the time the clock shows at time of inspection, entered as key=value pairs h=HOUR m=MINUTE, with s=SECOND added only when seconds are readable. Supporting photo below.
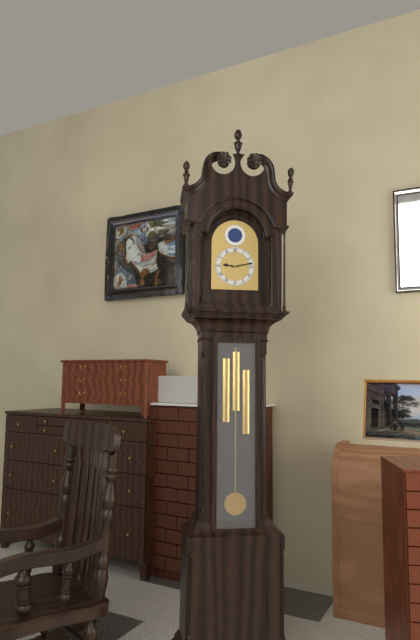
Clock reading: h=9 m=13
